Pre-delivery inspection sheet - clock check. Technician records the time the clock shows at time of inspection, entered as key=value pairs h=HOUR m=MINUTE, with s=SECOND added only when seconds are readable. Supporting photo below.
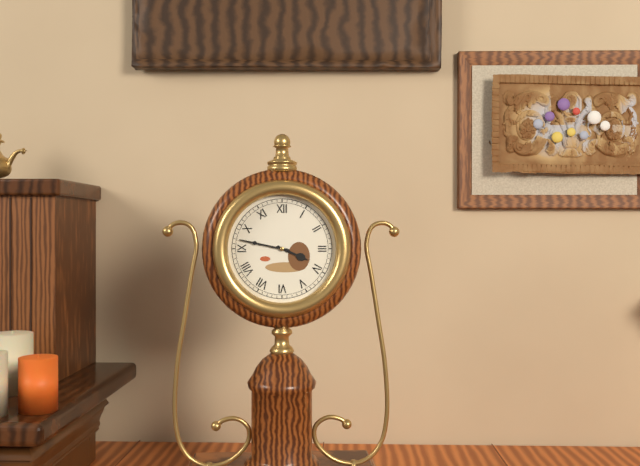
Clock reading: h=3 m=47
